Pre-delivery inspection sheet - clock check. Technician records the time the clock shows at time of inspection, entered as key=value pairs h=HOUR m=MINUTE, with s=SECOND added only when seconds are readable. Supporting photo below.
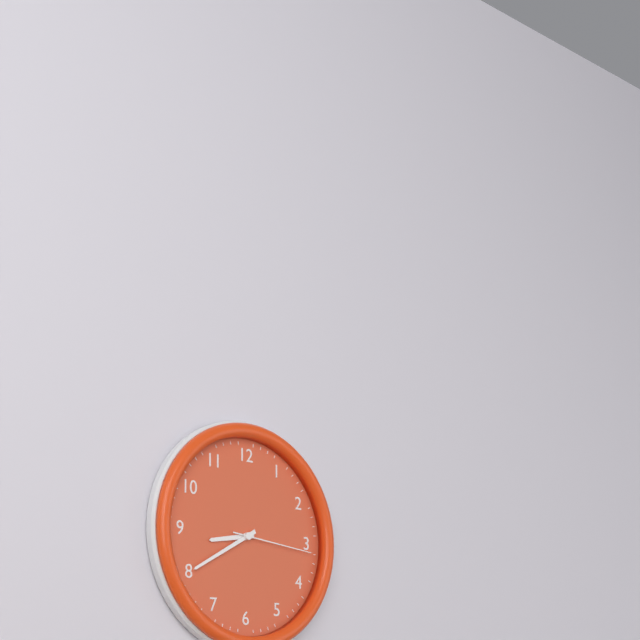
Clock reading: h=8 m=40 s=16
